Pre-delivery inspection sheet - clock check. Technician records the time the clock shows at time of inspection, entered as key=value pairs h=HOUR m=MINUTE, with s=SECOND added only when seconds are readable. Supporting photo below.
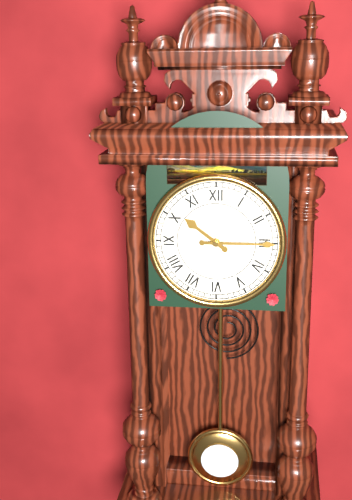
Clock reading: h=10 m=15
